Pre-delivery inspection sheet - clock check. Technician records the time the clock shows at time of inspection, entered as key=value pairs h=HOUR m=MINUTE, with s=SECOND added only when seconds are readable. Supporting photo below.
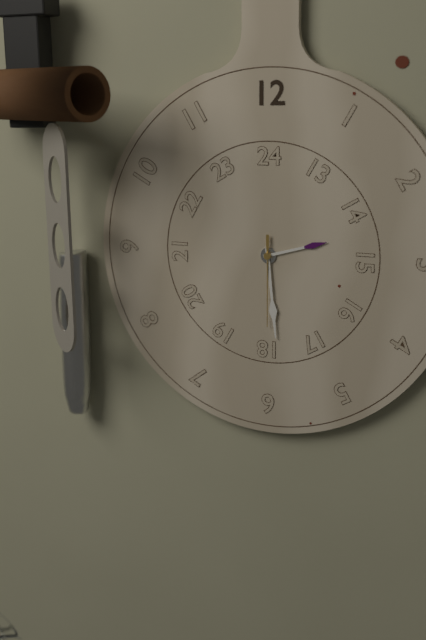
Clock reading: h=2 m=29 s=30
